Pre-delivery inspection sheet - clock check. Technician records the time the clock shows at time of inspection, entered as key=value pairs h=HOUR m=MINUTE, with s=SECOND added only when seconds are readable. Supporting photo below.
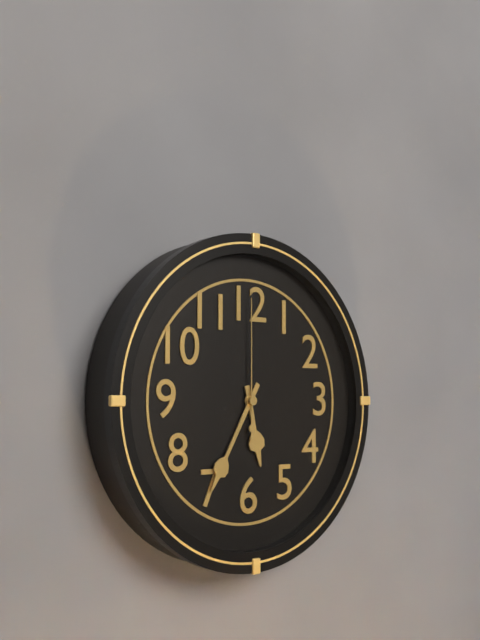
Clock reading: h=5 m=35 s=0
